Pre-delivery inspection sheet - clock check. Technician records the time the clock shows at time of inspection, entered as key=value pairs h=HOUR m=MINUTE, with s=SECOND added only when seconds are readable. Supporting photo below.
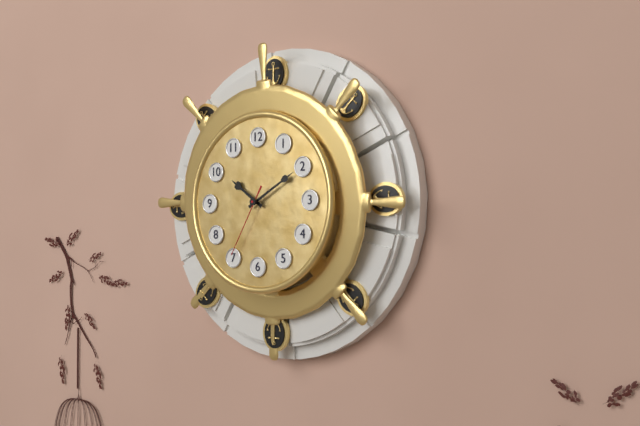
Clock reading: h=10 m=10 s=35
